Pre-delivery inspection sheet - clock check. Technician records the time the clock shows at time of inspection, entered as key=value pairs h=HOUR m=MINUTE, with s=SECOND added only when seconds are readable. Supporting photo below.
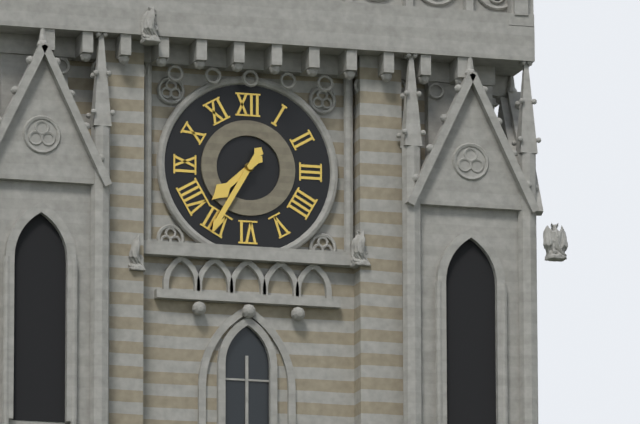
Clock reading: h=7 m=35
